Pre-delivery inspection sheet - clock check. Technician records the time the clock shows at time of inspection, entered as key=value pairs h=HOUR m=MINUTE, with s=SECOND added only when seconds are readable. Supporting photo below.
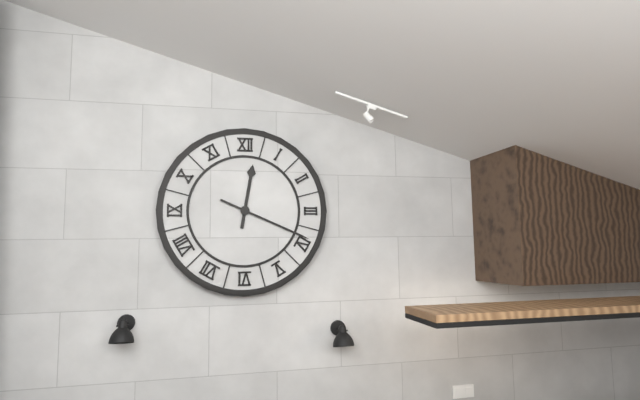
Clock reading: h=12 m=19
